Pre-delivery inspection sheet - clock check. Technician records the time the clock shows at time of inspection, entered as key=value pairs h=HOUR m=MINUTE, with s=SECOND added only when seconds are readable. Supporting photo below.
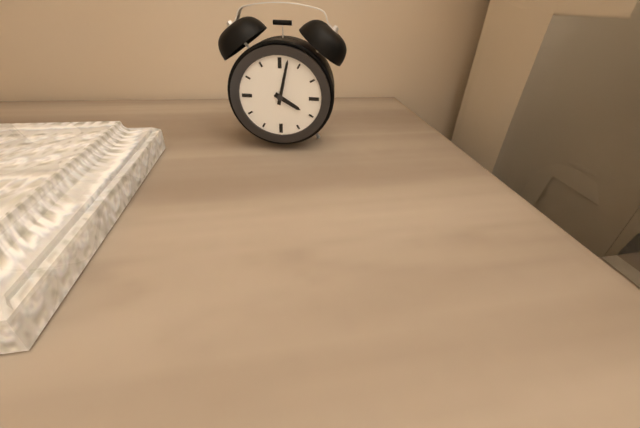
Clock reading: h=4 m=2
